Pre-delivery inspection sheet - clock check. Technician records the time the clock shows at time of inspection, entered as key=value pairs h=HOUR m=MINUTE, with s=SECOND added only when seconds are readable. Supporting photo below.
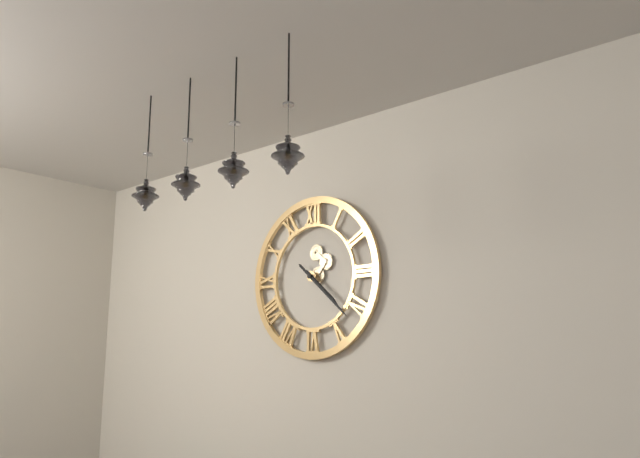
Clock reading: h=4 m=22
